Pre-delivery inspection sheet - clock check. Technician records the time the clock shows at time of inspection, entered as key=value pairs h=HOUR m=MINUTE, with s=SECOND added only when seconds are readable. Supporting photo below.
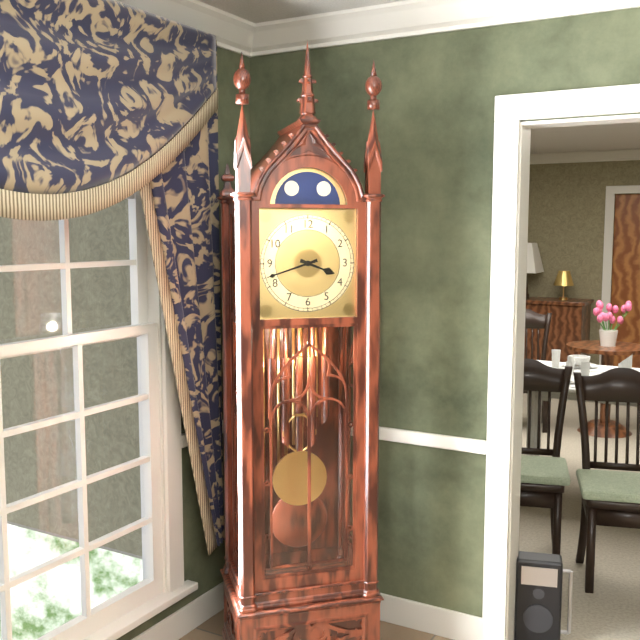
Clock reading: h=3 m=42
